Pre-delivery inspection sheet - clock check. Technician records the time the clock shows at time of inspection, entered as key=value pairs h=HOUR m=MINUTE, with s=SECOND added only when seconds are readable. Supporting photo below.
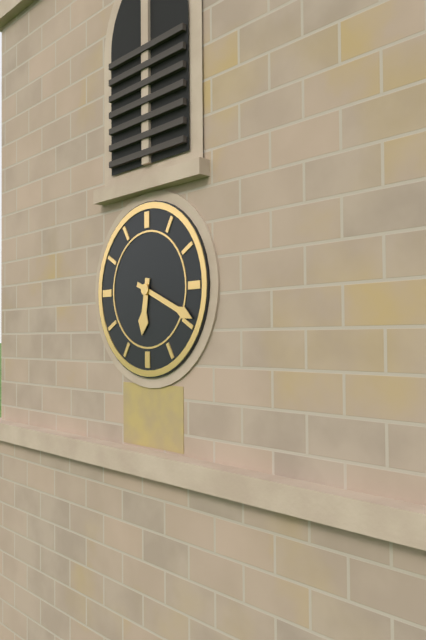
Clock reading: h=6 m=19
